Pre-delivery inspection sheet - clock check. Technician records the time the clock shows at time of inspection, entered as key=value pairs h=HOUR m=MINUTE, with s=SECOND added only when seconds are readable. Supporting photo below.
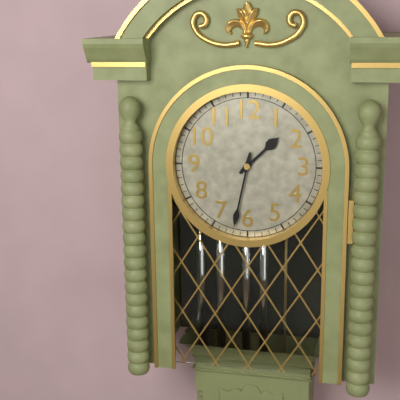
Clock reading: h=1 m=32
